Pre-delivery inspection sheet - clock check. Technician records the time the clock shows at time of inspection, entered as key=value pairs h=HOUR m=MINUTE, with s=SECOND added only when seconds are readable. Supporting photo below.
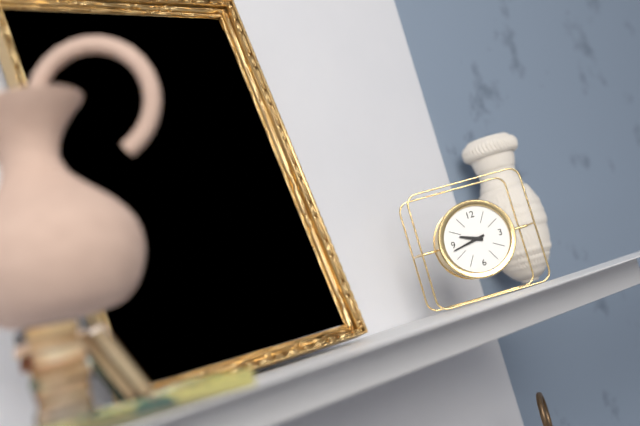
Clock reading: h=9 m=43
